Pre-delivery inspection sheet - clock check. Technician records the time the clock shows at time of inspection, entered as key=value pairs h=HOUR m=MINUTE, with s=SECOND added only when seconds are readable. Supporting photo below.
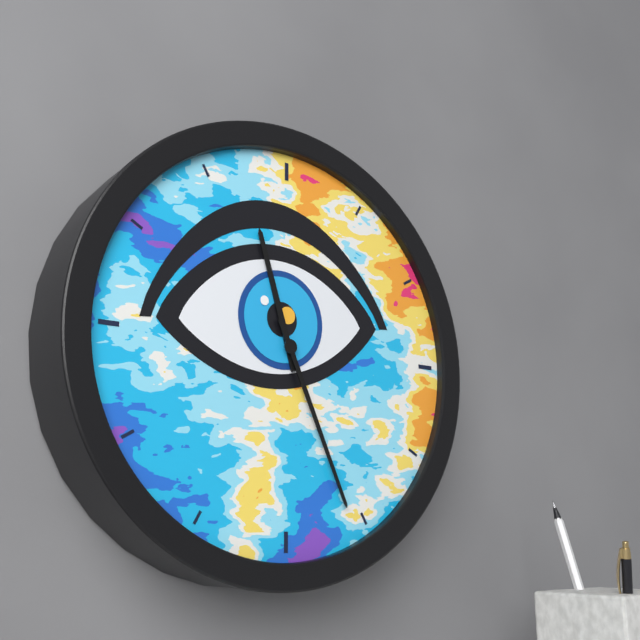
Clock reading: h=11 m=26
